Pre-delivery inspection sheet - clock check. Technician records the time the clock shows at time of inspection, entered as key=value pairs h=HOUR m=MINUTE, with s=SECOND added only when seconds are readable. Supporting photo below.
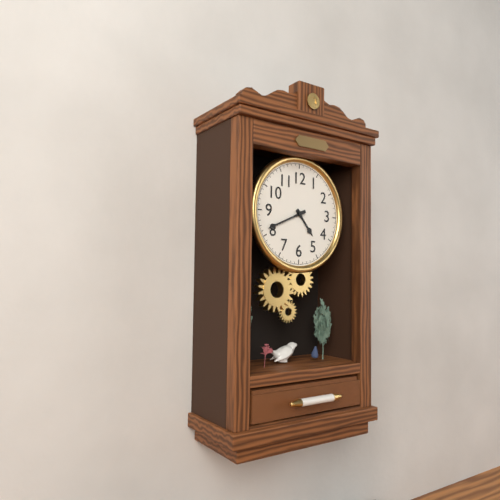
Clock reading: h=4 m=41
